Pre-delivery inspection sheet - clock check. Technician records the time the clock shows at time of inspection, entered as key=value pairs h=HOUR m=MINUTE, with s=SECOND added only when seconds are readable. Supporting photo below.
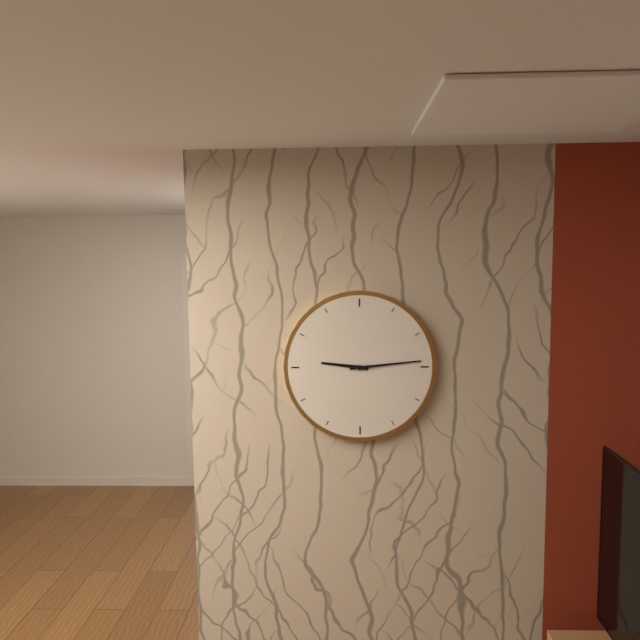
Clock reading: h=9 m=14
